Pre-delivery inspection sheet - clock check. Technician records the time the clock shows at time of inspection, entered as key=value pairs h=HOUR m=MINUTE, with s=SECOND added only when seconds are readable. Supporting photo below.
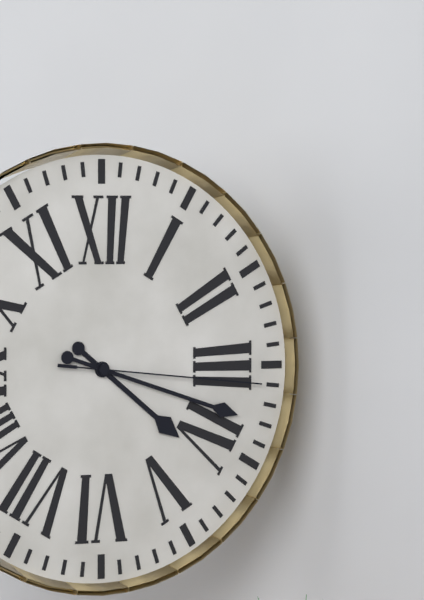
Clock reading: h=4 m=18 s=16
